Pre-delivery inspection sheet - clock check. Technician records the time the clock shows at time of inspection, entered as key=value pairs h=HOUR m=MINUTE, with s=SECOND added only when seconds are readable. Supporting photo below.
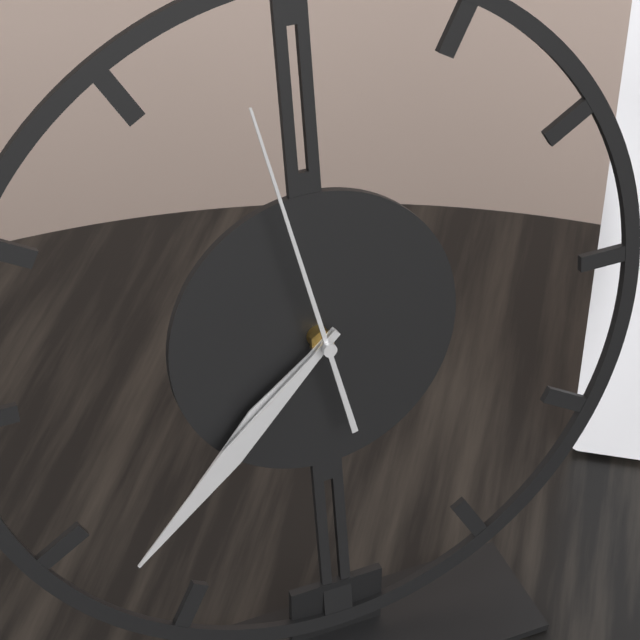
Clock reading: h=7 m=38 s=58
